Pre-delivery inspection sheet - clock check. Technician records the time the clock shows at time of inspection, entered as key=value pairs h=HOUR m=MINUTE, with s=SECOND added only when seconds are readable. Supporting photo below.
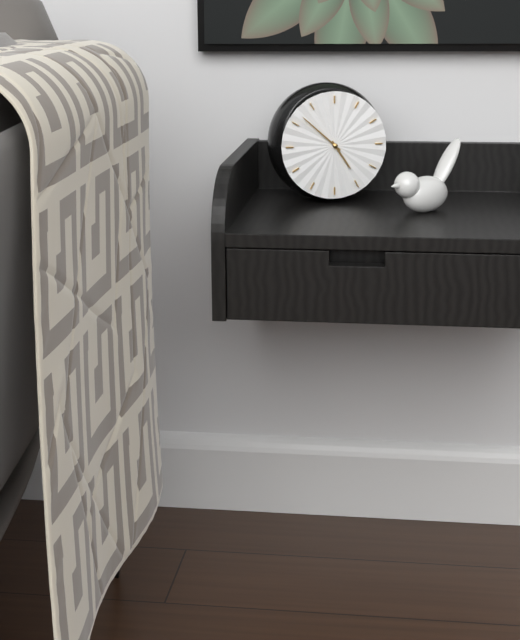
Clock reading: h=4 m=52
